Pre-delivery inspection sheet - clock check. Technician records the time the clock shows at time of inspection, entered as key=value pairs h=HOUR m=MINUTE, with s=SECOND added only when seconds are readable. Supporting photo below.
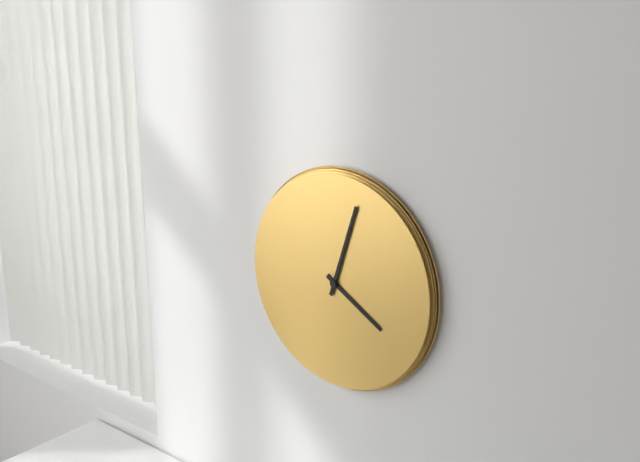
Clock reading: h=4 m=3
